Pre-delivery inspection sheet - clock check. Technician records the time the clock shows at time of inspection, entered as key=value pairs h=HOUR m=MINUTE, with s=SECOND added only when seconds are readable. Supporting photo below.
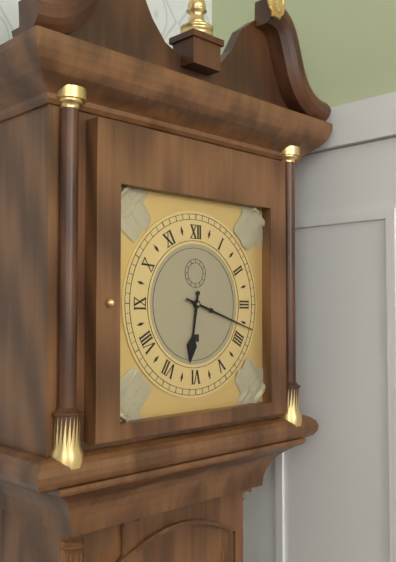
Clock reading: h=6 m=18
